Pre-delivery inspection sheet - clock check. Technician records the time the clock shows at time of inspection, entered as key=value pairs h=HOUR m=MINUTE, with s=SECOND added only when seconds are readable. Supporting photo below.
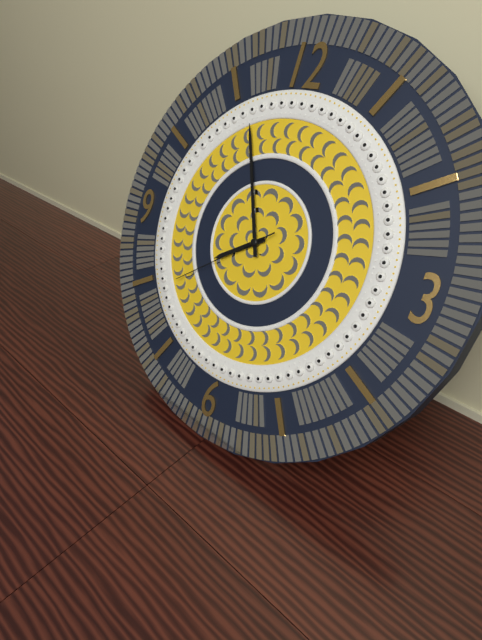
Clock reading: h=7 m=56 s=39
